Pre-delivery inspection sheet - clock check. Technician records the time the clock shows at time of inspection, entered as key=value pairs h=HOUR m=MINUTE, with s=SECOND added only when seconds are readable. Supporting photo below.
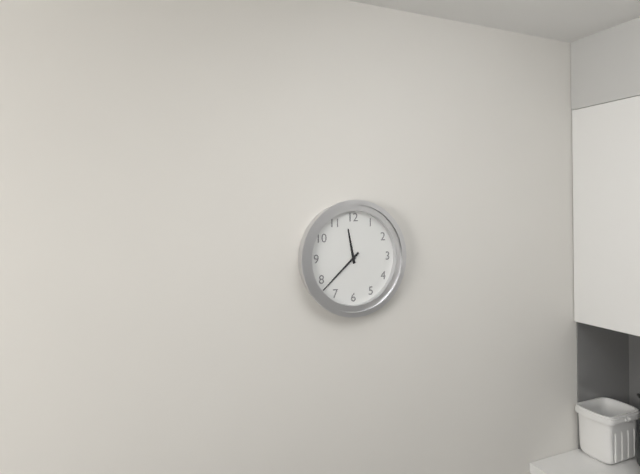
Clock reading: h=11 m=38
